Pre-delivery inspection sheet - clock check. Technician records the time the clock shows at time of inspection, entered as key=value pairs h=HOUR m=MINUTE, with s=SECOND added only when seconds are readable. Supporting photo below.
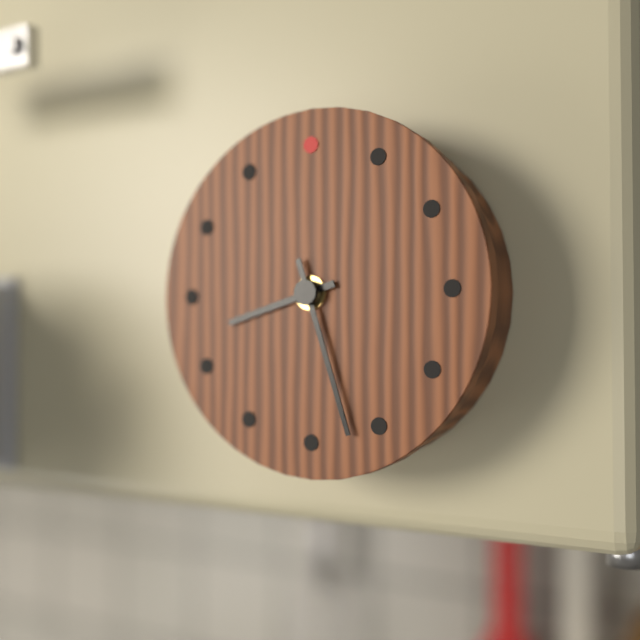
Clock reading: h=8 m=27
